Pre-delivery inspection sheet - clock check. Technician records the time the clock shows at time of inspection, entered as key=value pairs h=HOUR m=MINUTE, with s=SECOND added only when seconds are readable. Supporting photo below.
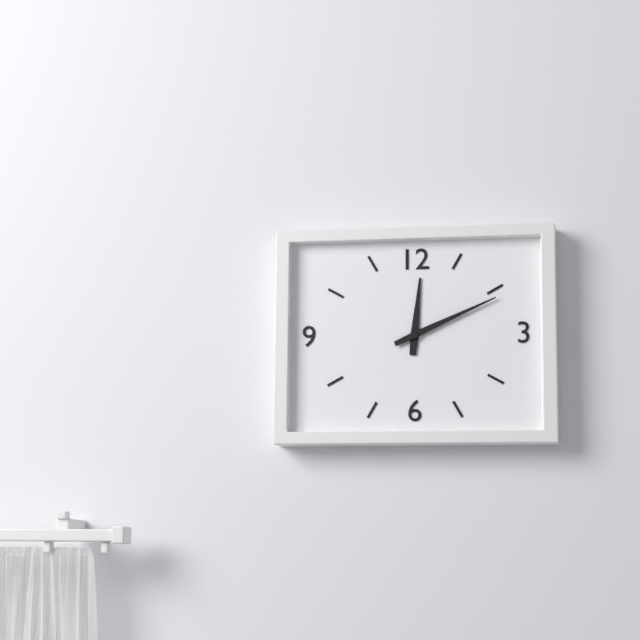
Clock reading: h=12 m=11
